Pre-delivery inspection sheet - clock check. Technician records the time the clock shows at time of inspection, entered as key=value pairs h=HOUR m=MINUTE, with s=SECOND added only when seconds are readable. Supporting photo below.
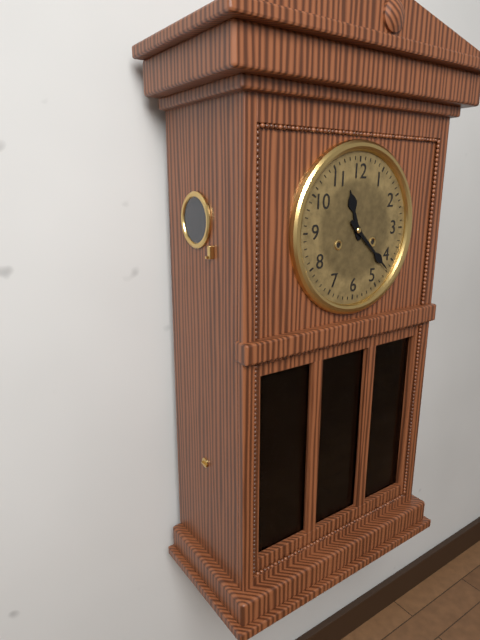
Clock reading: h=11 m=22
